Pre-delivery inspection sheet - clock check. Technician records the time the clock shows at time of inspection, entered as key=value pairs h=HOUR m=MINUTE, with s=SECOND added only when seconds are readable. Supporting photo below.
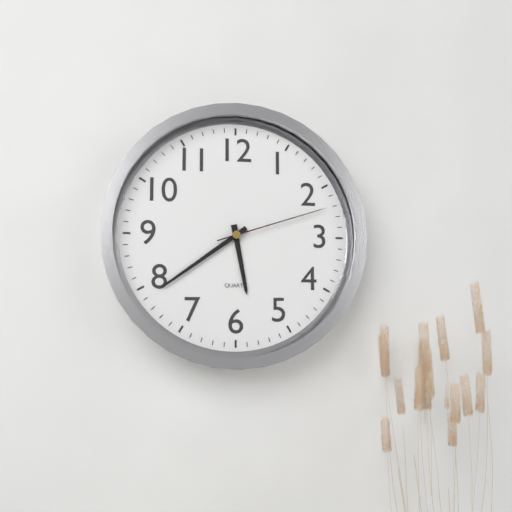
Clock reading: h=5 m=39 s=12
